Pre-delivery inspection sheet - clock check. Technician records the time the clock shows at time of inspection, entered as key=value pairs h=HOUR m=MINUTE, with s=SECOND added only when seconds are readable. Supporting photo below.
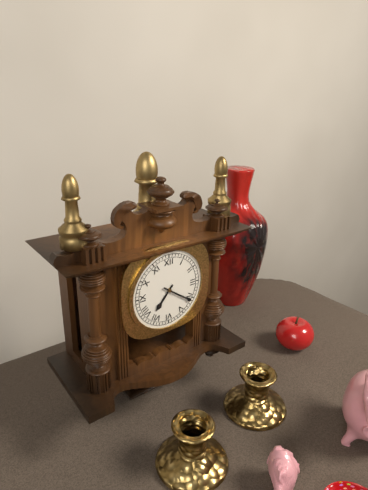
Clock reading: h=7 m=21
